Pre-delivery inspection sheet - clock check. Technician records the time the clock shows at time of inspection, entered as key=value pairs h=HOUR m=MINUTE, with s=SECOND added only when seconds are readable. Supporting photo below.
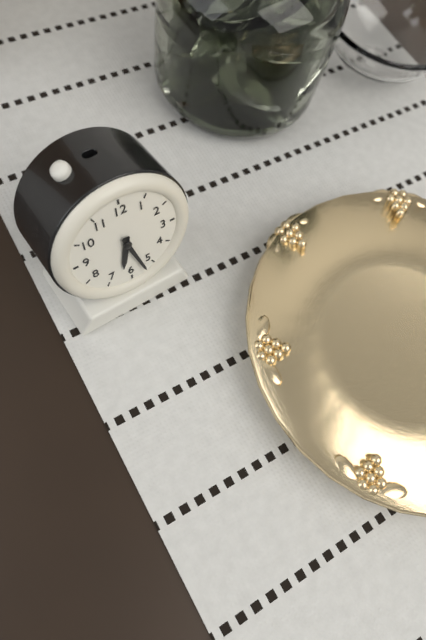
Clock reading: h=6 m=27
